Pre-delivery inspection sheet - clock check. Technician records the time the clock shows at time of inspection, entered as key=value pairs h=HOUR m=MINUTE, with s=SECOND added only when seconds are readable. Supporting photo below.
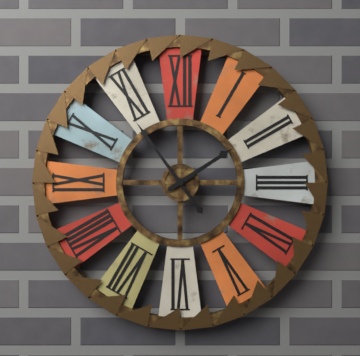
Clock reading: h=1 m=54
